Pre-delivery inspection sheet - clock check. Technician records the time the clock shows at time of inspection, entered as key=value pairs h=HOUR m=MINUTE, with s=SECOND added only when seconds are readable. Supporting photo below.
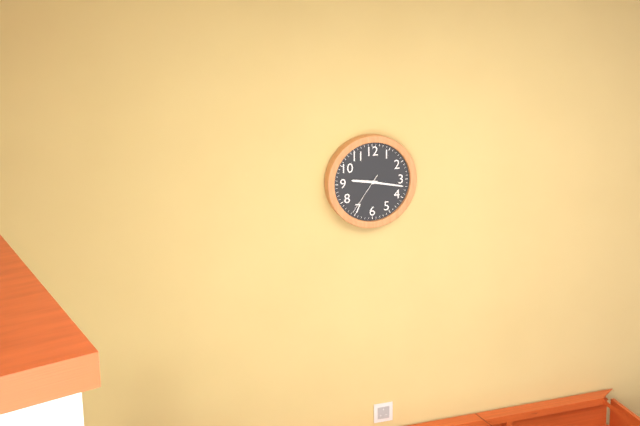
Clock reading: h=9 m=17
